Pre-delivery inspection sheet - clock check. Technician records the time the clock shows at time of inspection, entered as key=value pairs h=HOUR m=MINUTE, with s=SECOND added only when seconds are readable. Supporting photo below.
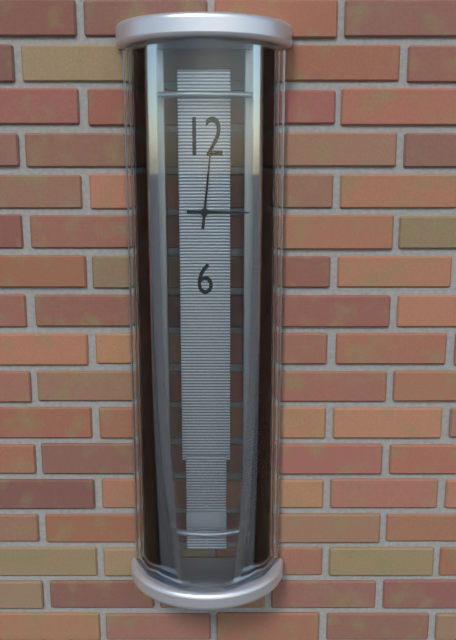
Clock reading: h=3 m=1
